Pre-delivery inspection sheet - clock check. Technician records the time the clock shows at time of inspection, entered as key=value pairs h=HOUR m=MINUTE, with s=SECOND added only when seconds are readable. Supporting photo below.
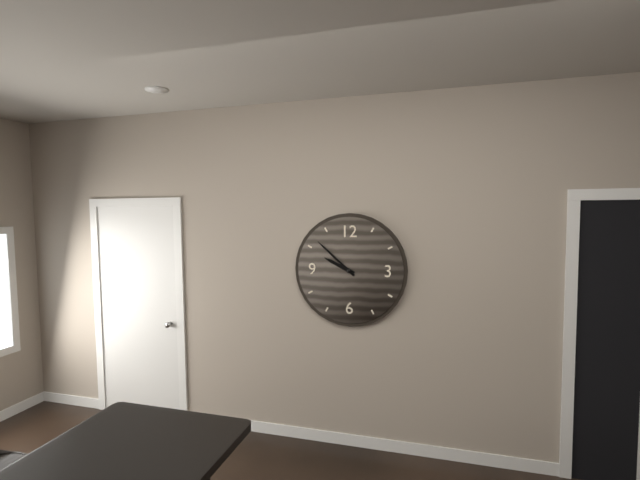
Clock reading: h=9 m=52
